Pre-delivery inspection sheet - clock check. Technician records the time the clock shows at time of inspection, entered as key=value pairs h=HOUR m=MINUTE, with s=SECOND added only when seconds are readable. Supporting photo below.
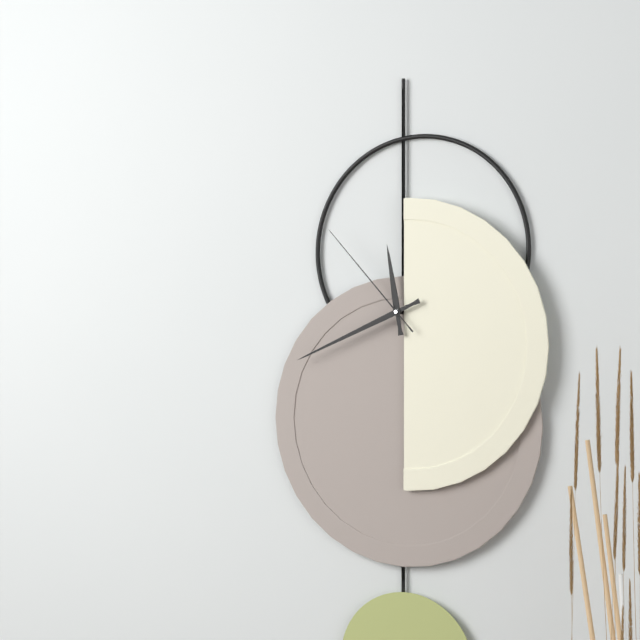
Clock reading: h=11 m=41 s=53
